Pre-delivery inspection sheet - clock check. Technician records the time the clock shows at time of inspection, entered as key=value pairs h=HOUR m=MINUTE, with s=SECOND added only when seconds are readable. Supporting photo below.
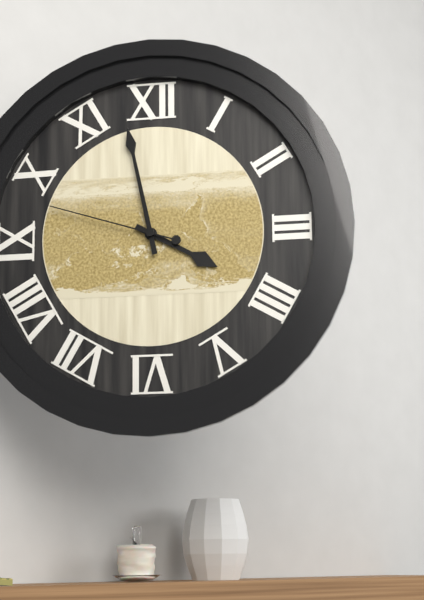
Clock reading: h=3 m=58 s=48
